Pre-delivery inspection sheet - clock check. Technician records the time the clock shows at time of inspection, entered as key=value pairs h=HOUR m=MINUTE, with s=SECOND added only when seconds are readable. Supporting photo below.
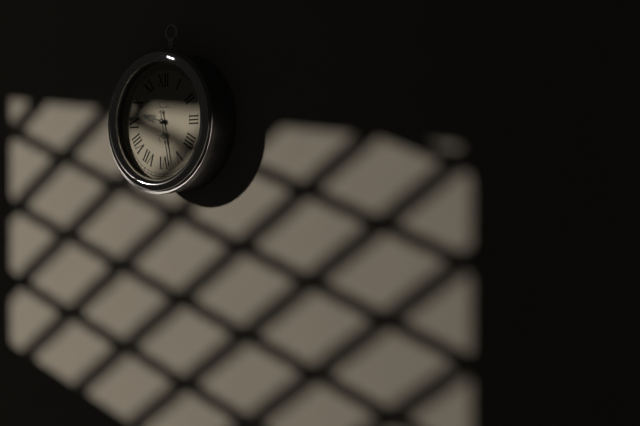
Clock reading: h=9 m=28
